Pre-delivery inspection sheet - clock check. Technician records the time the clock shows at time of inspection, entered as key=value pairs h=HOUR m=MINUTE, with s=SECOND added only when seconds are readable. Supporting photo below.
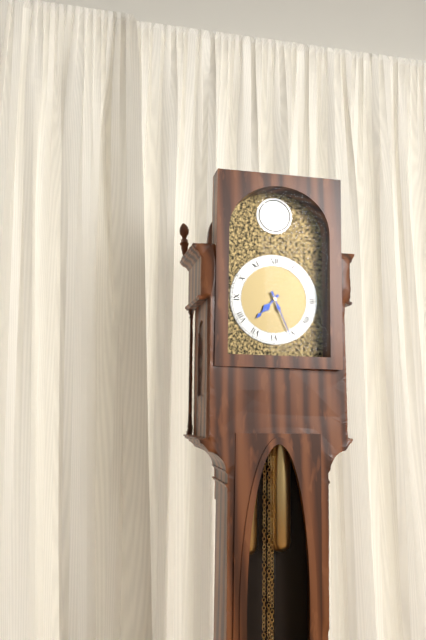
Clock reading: h=7 m=26
